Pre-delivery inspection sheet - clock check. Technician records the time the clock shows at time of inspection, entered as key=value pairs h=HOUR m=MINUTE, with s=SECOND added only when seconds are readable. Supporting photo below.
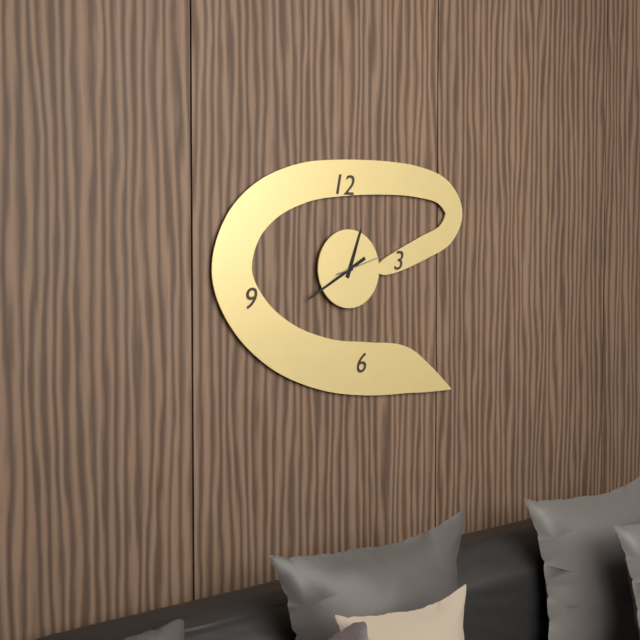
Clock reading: h=12 m=40
